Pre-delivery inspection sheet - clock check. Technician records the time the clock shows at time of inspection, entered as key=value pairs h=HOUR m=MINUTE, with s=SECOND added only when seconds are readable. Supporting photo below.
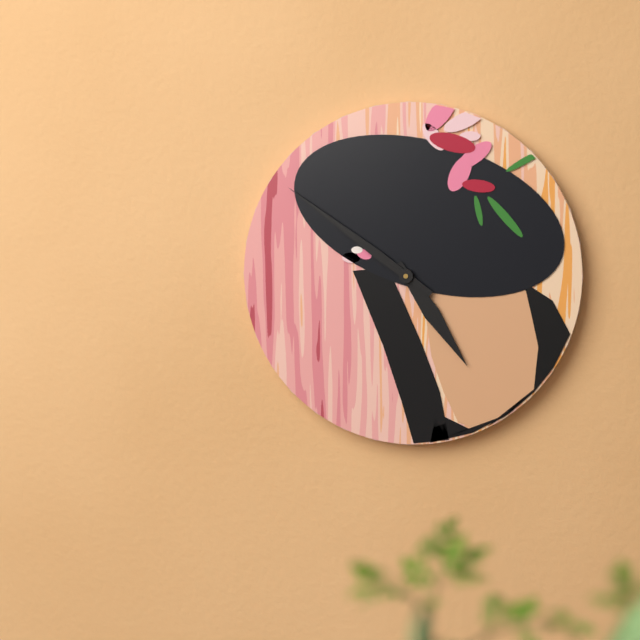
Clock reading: h=4 m=51
